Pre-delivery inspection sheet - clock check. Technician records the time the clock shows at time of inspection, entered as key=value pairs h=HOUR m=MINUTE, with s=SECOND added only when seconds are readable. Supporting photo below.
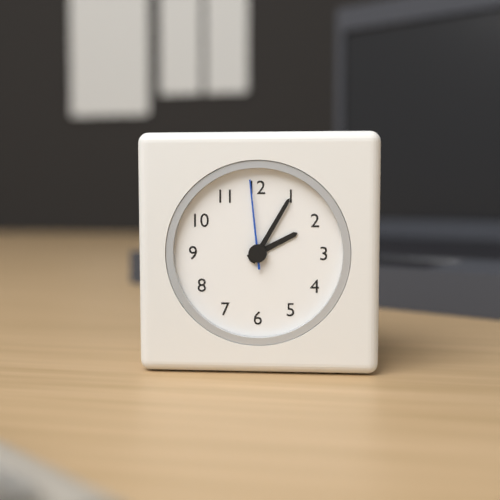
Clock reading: h=2 m=5 s=59
